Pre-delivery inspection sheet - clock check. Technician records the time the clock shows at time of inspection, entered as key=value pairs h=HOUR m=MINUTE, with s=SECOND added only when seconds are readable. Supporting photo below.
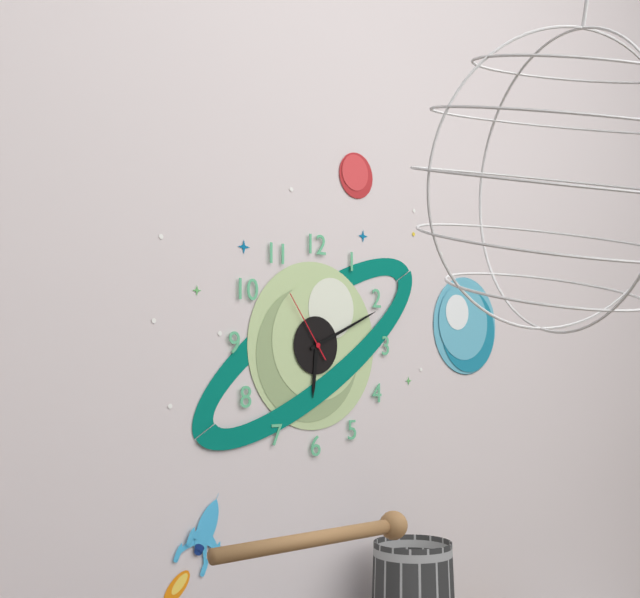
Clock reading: h=6 m=11 s=54
